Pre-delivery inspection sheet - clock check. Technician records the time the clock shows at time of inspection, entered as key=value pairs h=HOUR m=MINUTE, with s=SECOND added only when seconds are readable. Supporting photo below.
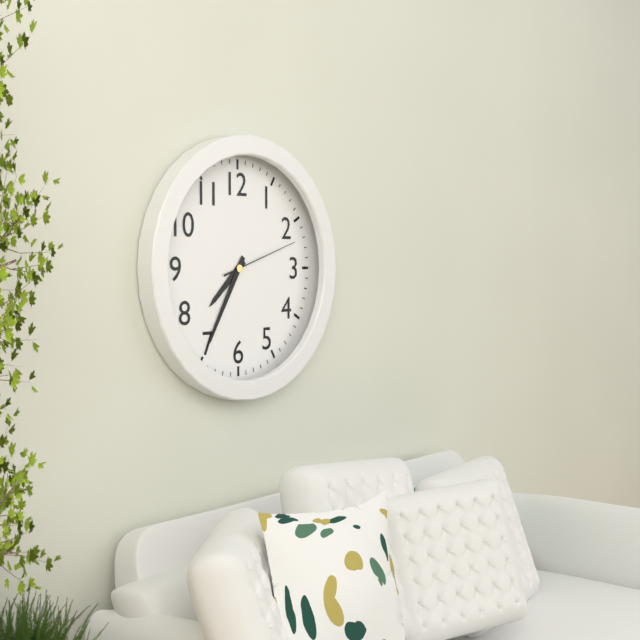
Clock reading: h=7 m=35 s=12
